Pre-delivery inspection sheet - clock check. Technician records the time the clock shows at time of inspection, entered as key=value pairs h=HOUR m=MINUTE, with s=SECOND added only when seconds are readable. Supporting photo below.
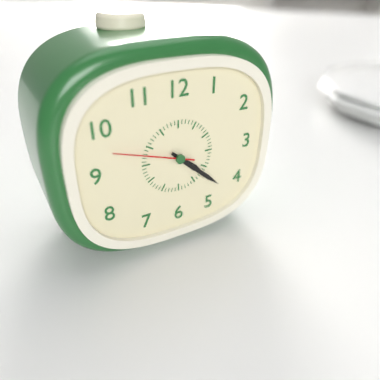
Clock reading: h=4 m=22 s=48
